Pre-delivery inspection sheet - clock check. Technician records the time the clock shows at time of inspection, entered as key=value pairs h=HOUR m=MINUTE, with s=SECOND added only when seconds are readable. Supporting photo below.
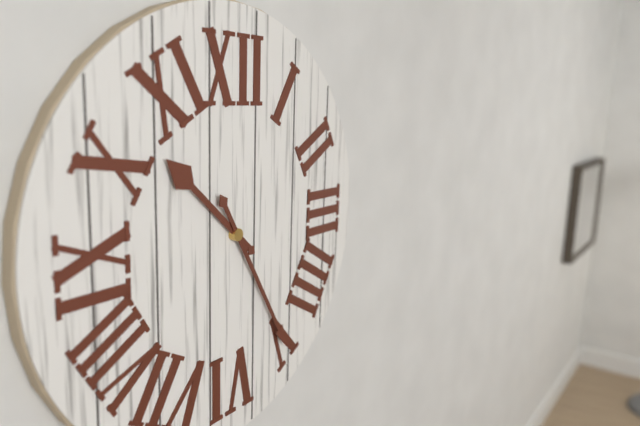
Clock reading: h=10 m=25
